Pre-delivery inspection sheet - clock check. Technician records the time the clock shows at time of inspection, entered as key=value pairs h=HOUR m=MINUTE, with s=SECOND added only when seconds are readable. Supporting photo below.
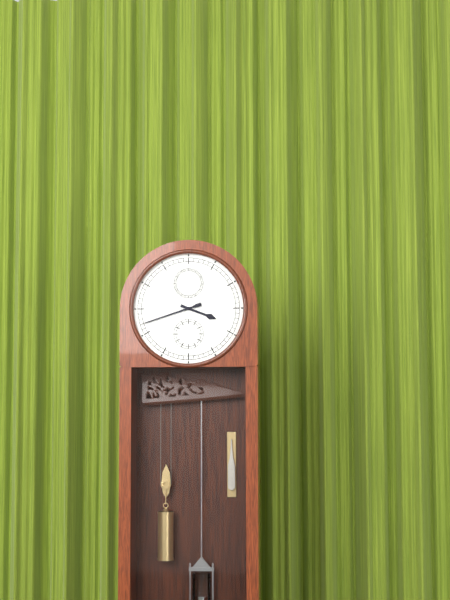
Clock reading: h=3 m=42
